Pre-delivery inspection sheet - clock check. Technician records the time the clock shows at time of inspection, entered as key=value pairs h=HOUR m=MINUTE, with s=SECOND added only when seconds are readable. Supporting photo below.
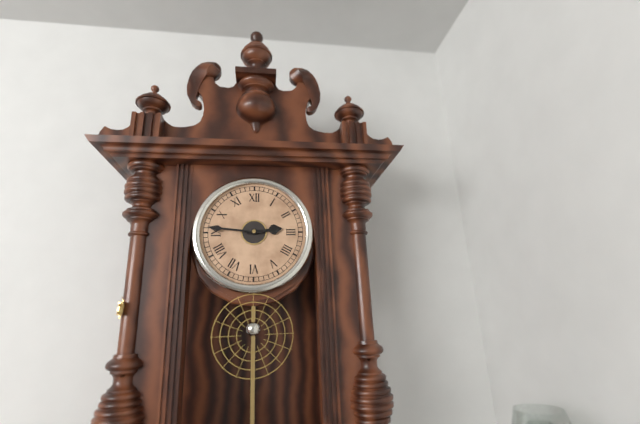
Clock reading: h=2 m=46
